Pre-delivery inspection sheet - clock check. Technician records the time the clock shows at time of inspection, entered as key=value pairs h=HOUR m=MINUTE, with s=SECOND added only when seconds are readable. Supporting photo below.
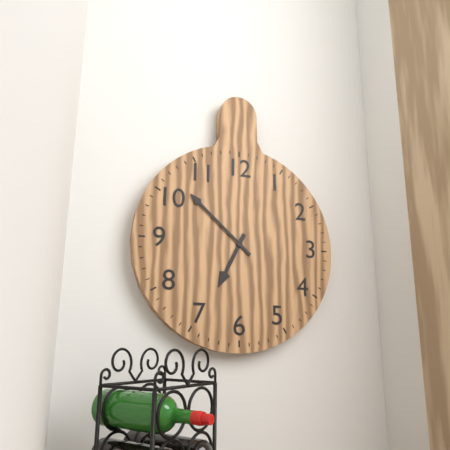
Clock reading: h=6 m=52
